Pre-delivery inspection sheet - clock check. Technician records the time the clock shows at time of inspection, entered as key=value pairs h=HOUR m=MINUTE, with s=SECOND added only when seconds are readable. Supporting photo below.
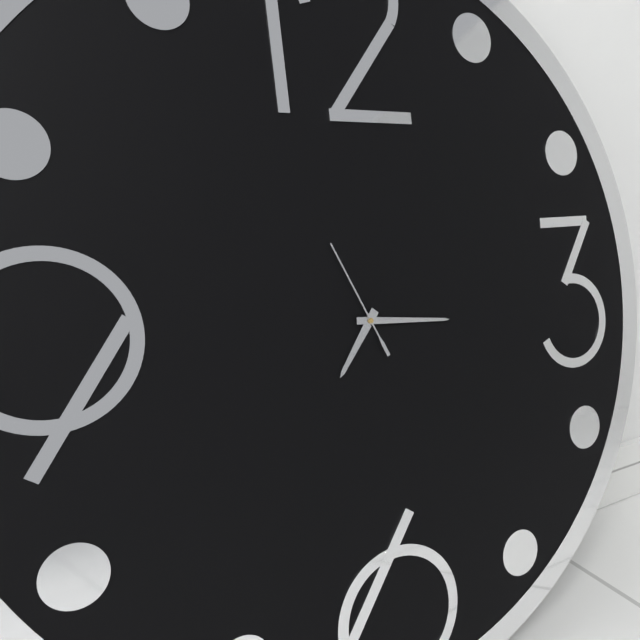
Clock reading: h=7 m=16 s=56
